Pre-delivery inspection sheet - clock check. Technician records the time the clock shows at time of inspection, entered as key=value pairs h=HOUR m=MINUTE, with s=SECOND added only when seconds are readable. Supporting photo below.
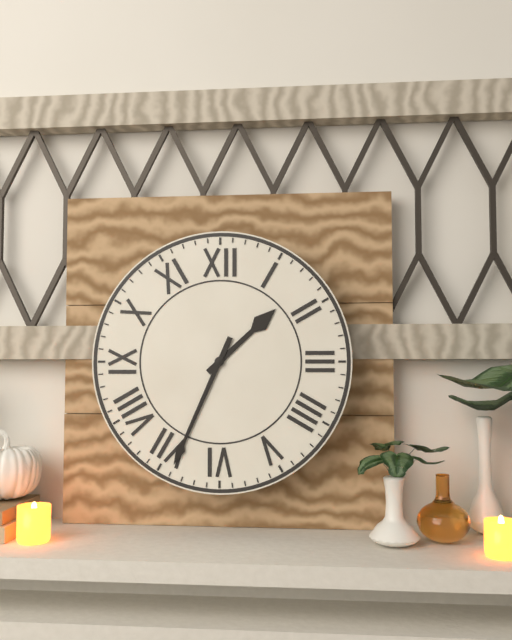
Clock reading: h=1 m=34
